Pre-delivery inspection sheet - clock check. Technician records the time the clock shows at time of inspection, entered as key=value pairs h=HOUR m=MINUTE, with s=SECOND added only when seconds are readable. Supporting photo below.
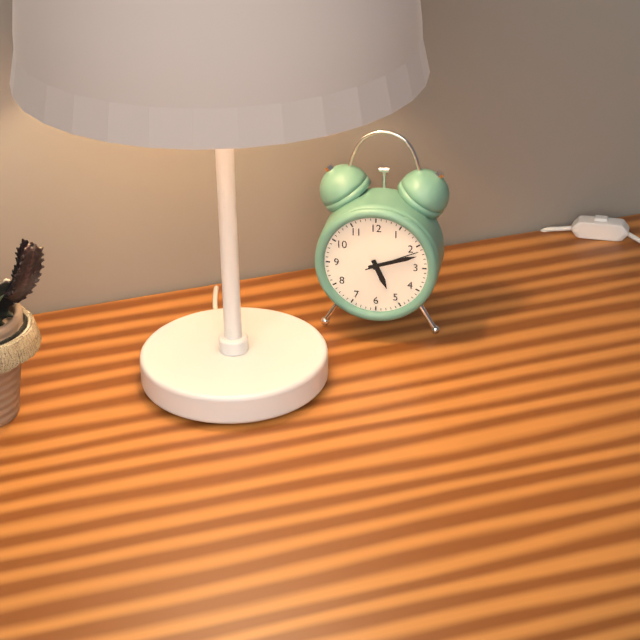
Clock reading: h=5 m=12 s=11
